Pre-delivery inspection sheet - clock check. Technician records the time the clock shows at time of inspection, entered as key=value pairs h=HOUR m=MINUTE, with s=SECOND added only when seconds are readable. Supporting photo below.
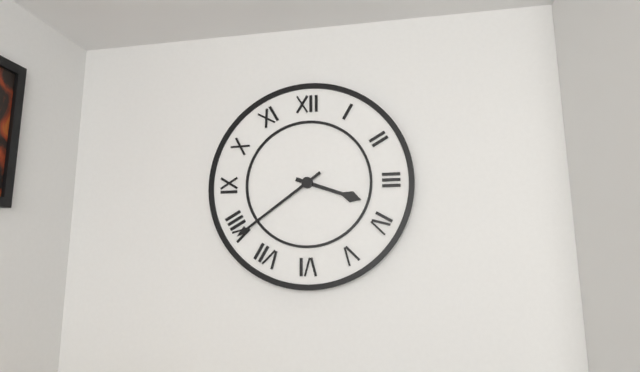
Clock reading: h=3 m=39
